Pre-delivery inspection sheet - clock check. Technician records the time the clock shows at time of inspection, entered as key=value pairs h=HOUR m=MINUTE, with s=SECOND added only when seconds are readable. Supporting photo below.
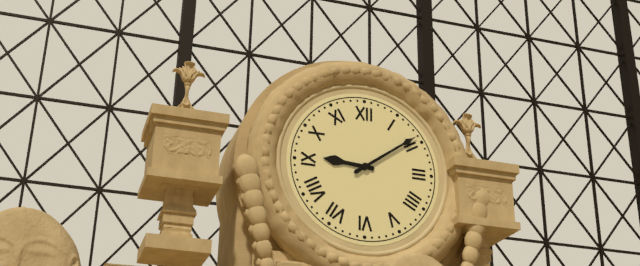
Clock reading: h=9 m=9
